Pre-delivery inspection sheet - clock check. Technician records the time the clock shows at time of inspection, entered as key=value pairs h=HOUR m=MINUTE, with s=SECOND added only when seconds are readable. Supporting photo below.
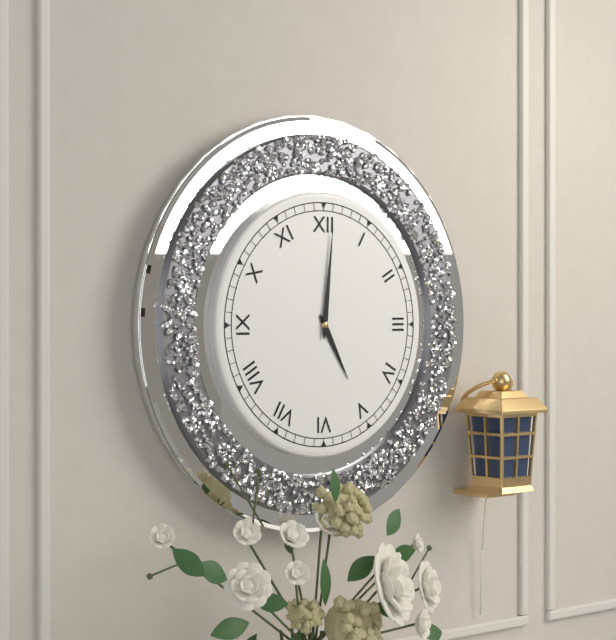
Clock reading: h=5 m=1
